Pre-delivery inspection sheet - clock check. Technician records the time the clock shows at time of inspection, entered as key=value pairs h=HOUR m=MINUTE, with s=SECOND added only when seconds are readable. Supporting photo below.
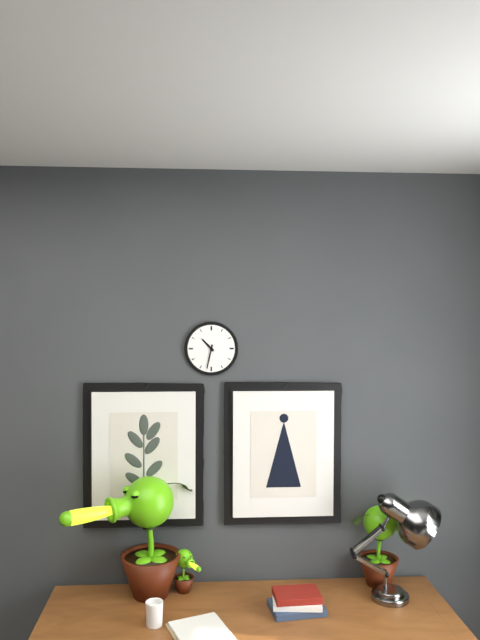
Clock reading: h=10 m=32
